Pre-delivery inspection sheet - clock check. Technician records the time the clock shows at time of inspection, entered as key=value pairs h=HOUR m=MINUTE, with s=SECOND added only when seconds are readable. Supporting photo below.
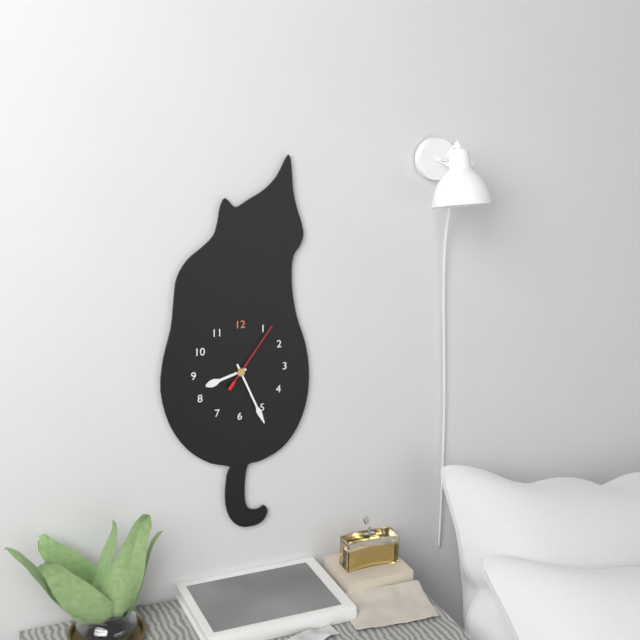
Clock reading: h=8 m=26 s=6
